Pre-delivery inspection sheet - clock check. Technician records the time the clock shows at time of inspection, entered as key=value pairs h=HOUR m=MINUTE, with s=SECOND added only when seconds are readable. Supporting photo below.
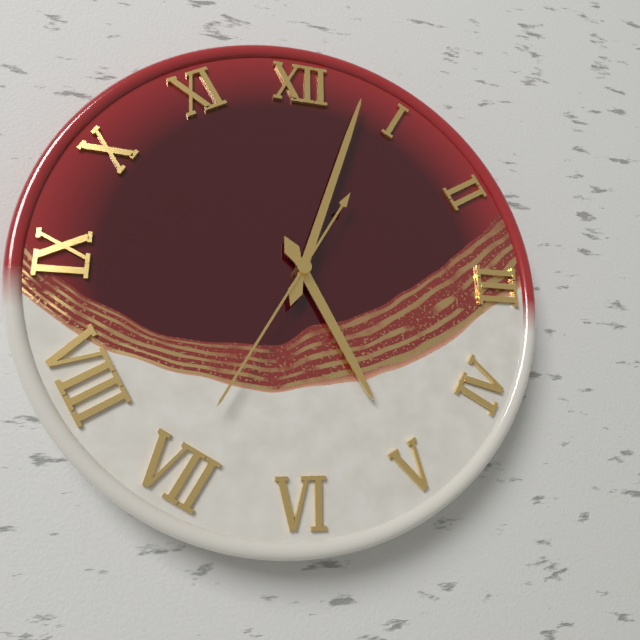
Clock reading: h=5 m=3 s=35
